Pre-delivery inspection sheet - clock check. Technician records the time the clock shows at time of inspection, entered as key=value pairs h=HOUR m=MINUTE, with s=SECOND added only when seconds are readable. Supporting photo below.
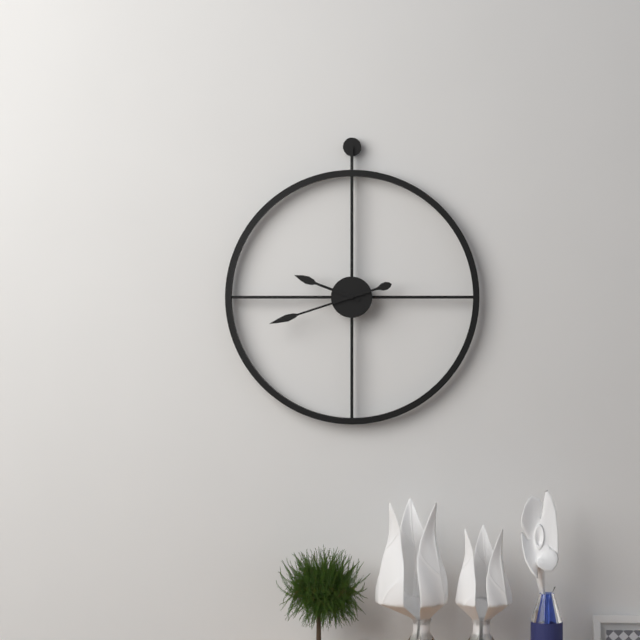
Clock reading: h=9 m=42
